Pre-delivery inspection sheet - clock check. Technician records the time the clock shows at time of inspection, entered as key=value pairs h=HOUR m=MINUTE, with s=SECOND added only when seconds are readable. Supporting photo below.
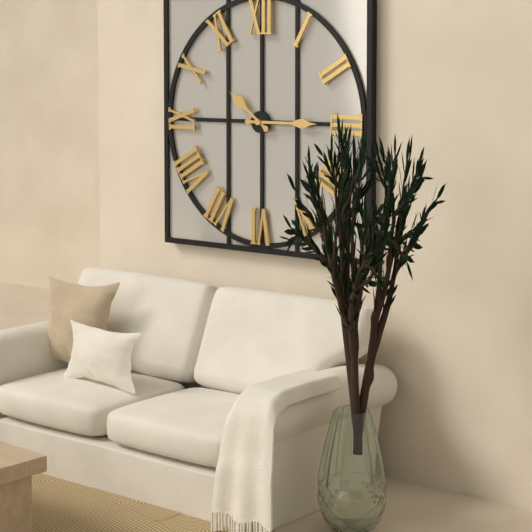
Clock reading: h=10 m=15
